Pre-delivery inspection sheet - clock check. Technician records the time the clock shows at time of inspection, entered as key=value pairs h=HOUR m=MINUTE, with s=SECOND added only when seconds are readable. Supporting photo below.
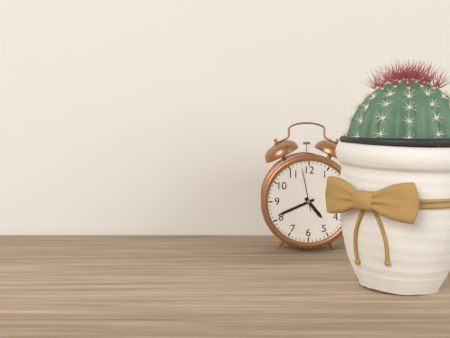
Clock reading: h=4 m=41
